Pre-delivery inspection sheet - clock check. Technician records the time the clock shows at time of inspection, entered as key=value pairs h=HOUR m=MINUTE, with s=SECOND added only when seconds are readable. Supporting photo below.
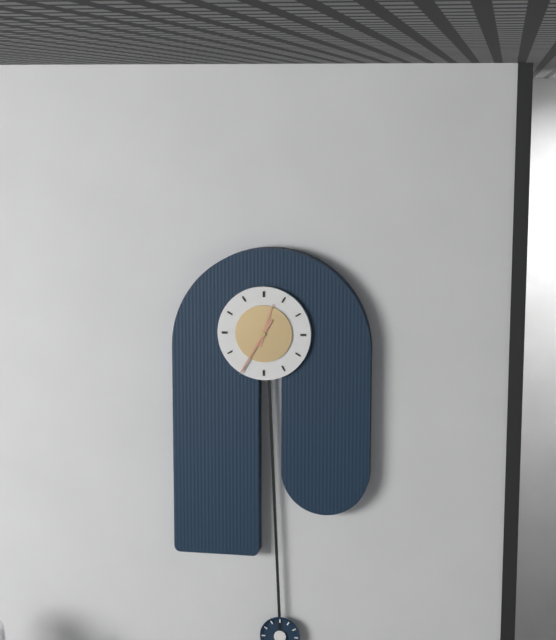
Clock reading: h=12 m=35
